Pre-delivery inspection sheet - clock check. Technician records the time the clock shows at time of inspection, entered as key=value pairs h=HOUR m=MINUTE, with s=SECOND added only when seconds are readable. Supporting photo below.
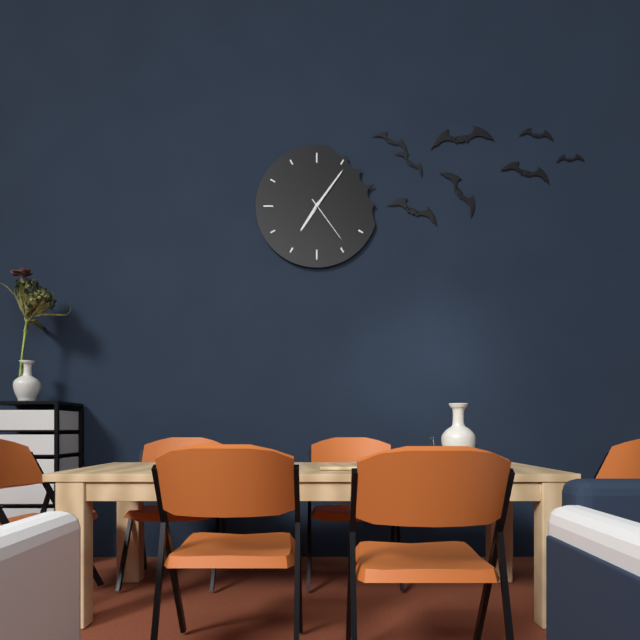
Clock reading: h=7 m=6 s=24
